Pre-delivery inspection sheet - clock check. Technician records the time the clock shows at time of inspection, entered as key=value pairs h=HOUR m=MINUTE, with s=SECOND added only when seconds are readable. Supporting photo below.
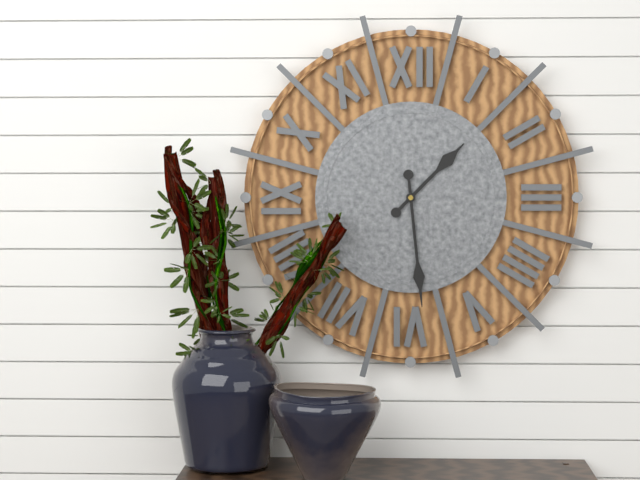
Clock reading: h=1 m=29
